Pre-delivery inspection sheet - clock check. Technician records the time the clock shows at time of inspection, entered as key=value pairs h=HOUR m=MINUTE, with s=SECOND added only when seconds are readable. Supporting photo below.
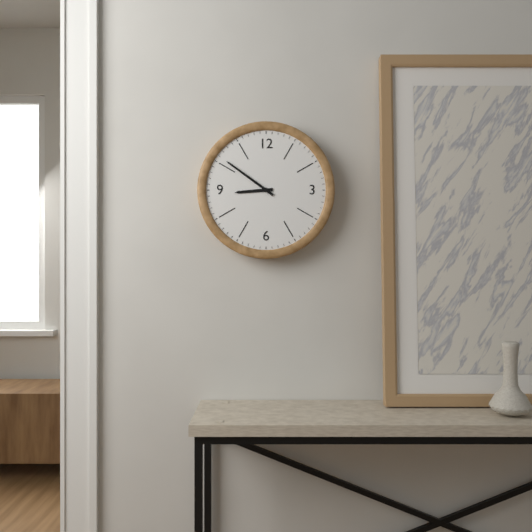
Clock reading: h=8 m=51
